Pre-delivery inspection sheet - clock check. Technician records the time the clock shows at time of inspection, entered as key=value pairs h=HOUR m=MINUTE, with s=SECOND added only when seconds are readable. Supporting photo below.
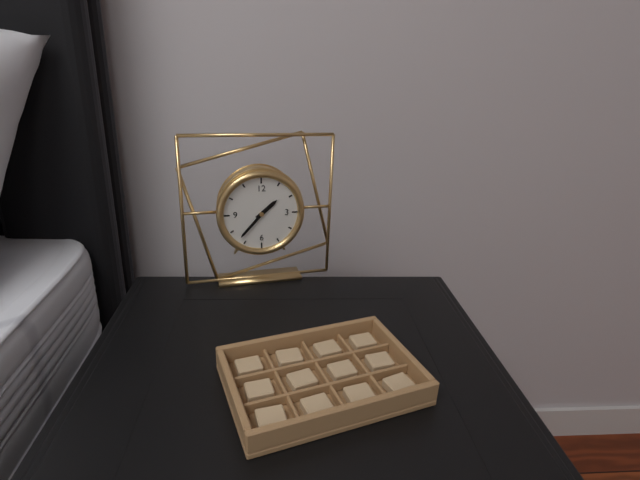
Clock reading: h=1 m=37
